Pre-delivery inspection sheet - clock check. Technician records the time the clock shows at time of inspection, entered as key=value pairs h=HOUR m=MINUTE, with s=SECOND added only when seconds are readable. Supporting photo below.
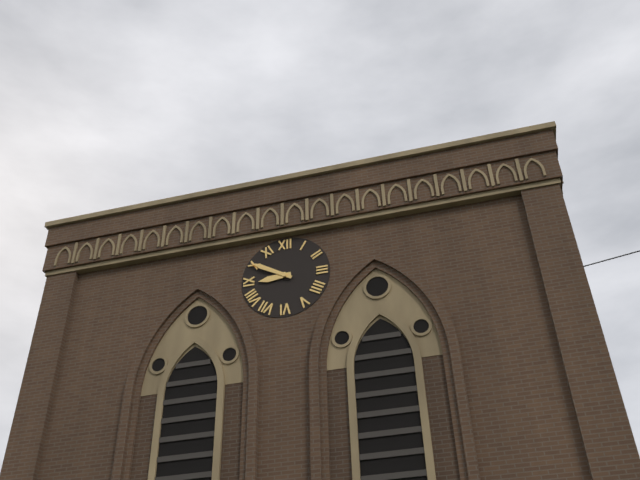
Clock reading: h=8 m=50
